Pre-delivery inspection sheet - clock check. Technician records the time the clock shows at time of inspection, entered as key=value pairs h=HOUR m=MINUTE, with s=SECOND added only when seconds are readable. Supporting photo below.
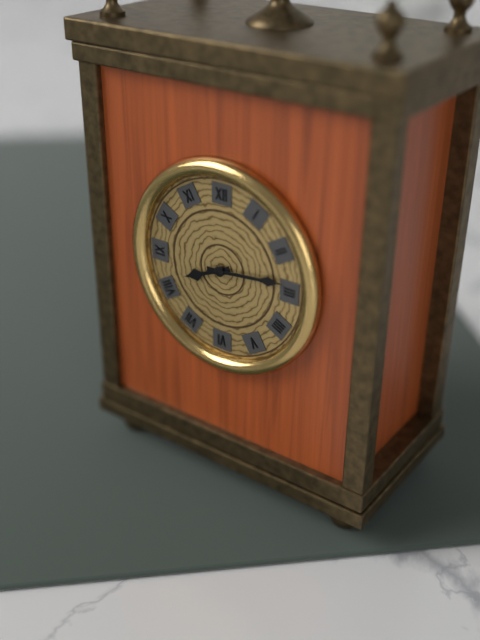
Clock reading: h=8 m=14
